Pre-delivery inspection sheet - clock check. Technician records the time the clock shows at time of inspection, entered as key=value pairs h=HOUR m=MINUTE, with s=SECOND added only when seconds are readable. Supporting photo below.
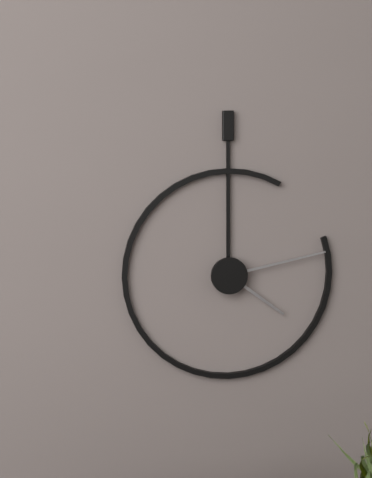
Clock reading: h=4 m=13
